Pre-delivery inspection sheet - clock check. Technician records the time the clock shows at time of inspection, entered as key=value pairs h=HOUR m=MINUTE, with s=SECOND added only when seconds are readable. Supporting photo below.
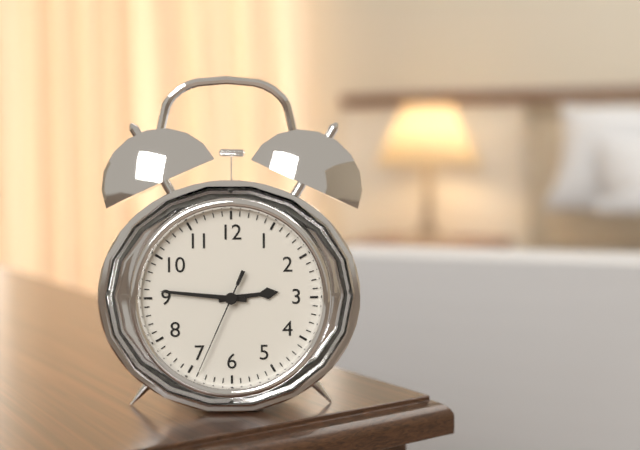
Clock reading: h=2 m=46 s=34
